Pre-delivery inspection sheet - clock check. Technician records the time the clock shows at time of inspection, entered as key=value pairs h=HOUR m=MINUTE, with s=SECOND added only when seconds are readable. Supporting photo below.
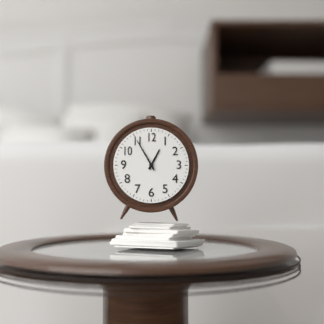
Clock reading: h=12 m=55
